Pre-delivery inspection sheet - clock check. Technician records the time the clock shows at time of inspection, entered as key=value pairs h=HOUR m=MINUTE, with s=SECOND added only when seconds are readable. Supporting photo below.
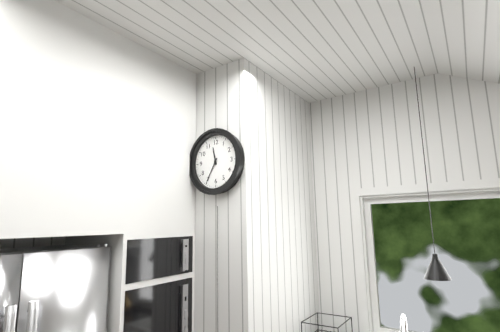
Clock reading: h=11 m=35
